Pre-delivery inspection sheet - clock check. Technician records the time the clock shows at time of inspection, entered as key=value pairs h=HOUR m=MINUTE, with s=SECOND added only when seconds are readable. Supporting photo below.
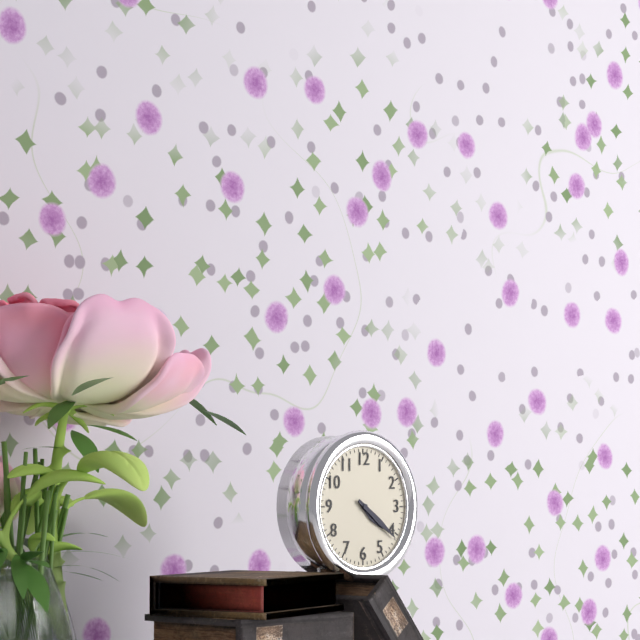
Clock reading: h=4 m=21
